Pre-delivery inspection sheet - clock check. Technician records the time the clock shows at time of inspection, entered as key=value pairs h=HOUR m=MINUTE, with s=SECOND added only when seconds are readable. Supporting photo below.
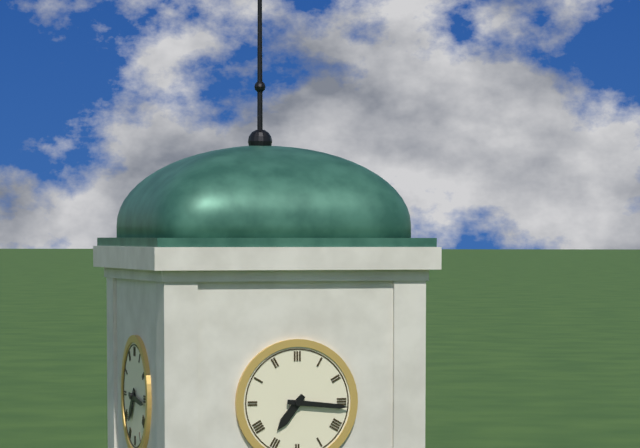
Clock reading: h=7 m=16
